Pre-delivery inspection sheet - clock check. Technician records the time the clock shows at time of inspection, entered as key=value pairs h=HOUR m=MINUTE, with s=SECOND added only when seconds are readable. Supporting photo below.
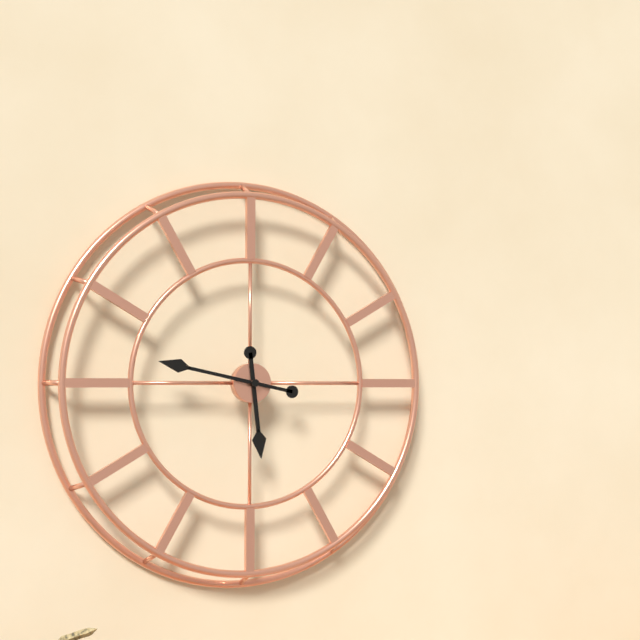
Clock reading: h=5 m=47
